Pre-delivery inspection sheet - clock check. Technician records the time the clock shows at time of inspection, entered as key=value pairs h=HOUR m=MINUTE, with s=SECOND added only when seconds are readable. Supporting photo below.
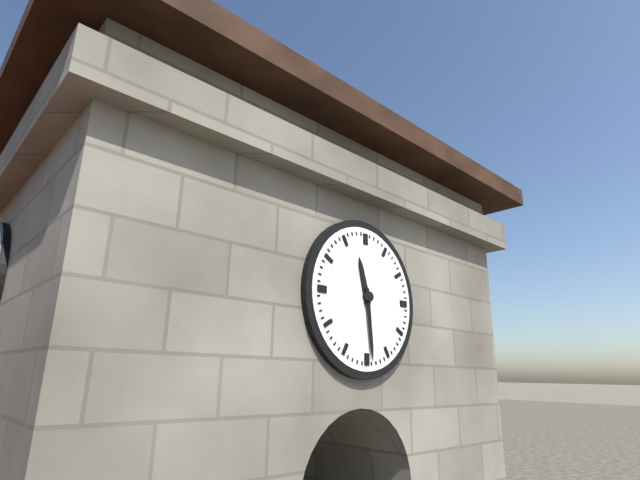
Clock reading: h=11 m=29
